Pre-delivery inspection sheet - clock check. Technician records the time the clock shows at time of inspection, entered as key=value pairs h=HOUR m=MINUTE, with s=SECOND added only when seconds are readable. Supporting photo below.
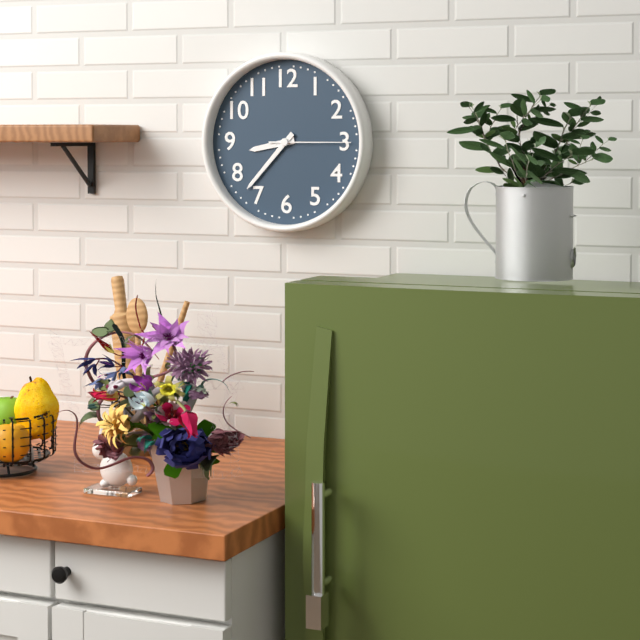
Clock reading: h=8 m=37 s=15
